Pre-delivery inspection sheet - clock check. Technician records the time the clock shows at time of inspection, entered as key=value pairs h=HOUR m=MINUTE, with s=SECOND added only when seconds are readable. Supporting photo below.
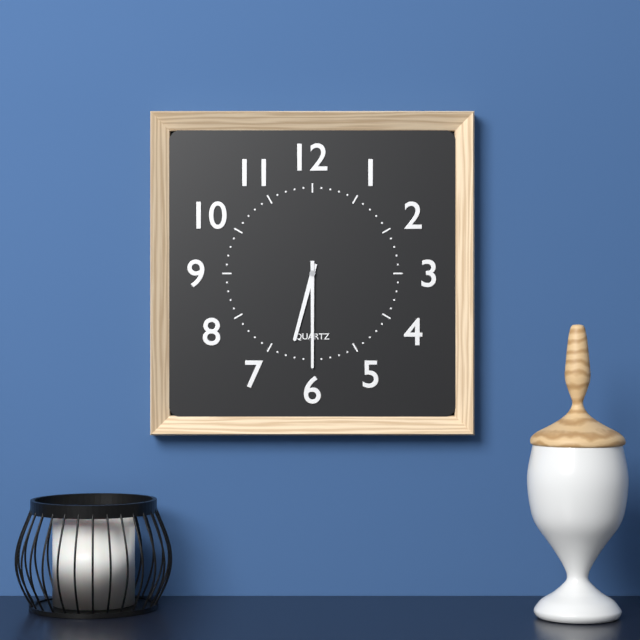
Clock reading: h=6 m=30
